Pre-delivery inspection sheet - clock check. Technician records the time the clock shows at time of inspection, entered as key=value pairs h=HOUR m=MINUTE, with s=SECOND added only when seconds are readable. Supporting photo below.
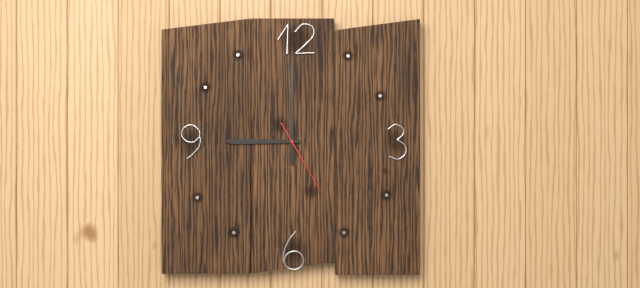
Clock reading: h=9 m=0 s=25
